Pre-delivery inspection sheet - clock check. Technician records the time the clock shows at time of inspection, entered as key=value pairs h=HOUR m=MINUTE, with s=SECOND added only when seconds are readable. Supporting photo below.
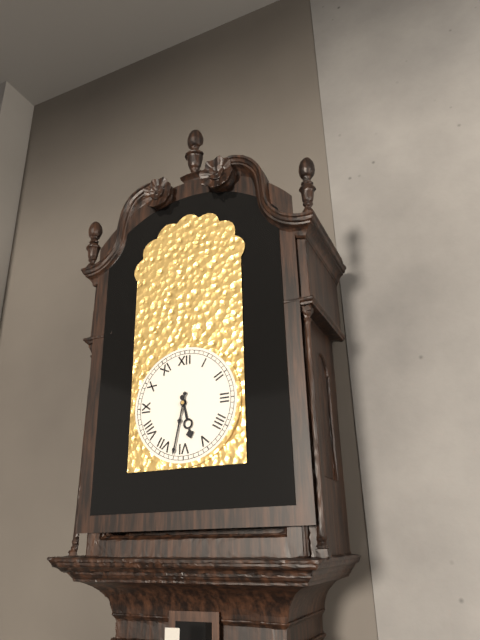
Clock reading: h=5 m=32
